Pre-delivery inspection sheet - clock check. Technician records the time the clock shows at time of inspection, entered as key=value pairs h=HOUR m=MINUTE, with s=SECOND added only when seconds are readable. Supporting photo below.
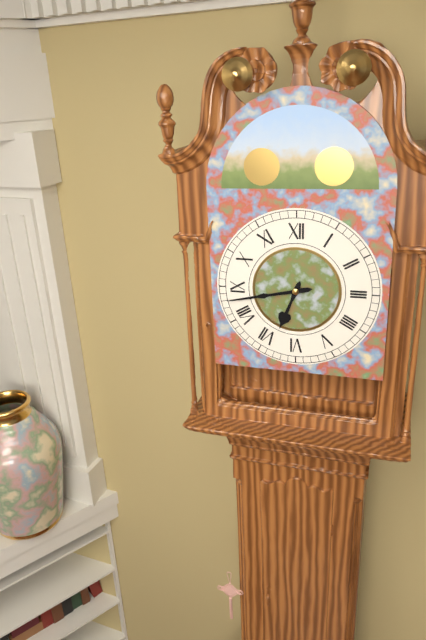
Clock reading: h=6 m=43
